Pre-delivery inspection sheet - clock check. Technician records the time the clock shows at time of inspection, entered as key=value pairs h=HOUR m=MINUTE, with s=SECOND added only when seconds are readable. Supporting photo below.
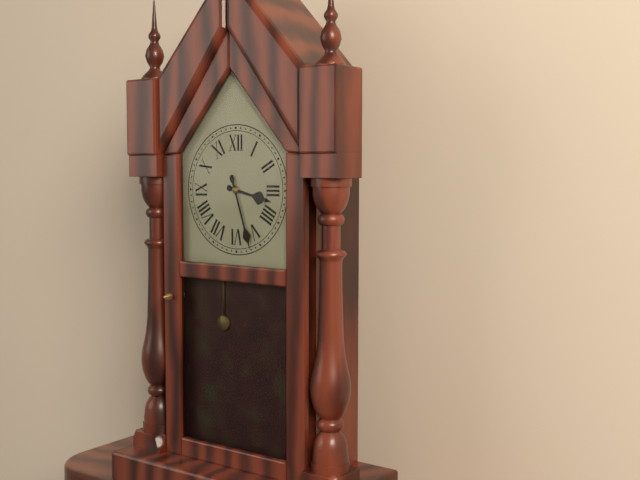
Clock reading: h=3 m=27
